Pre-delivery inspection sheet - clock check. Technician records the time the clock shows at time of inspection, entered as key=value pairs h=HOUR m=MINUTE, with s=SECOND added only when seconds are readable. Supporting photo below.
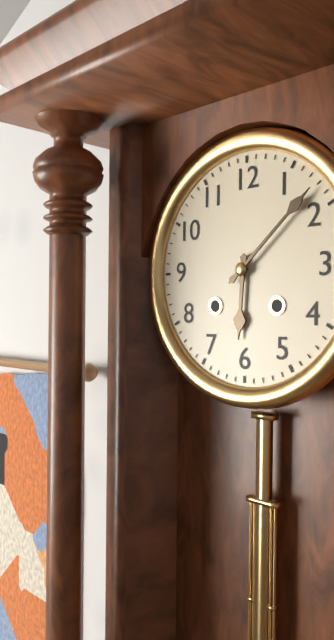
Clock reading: h=6 m=8
